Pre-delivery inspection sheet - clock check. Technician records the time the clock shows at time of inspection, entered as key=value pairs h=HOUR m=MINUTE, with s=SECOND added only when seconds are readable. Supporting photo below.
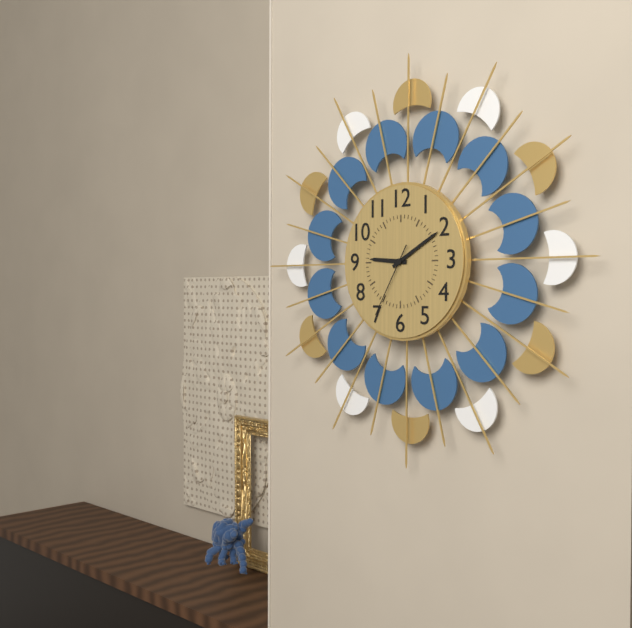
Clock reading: h=9 m=10 s=35
